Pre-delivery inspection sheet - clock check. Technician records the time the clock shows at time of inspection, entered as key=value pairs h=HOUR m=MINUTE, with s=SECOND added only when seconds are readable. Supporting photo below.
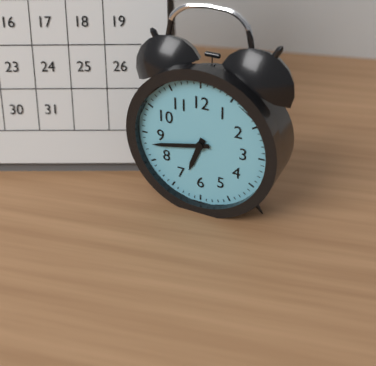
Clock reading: h=6 m=43
